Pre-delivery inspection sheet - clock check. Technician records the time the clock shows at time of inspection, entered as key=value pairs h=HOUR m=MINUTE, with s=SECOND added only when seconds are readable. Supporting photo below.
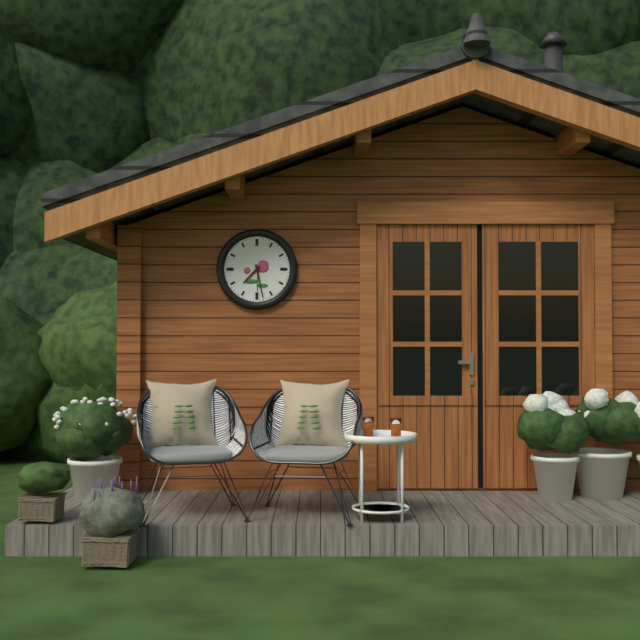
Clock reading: h=7 m=28
